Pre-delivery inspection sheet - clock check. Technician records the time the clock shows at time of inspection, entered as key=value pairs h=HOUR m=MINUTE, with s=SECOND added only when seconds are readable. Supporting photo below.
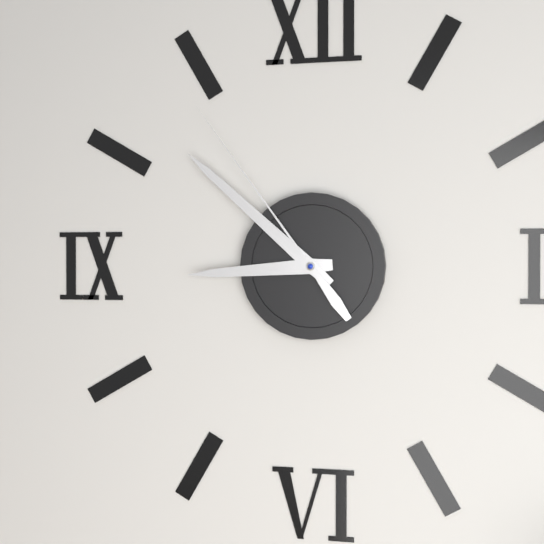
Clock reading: h=8 m=52 s=54
